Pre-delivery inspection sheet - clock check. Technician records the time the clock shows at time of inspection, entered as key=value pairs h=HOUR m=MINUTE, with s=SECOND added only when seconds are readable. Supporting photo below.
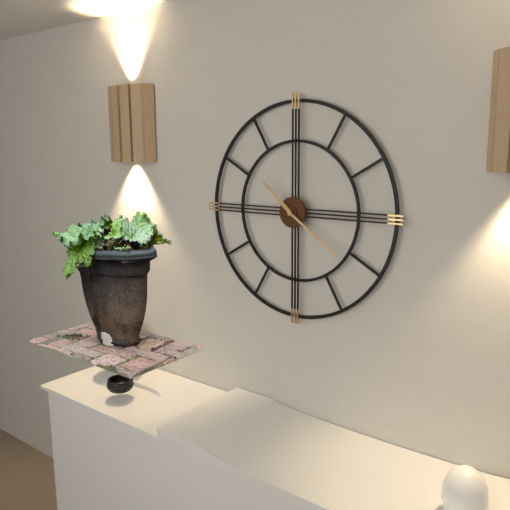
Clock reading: h=10 m=21
